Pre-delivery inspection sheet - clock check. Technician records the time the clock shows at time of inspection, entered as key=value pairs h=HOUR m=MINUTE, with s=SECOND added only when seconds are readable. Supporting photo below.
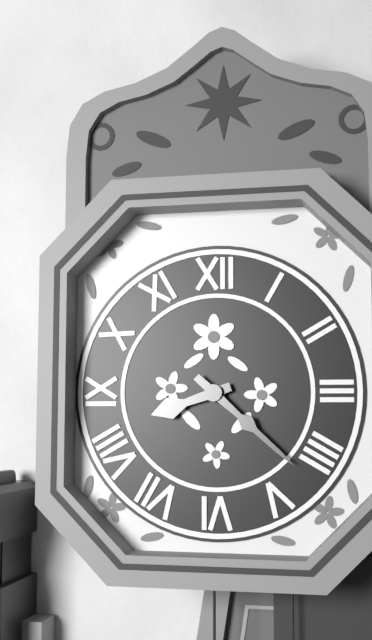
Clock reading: h=8 m=22
